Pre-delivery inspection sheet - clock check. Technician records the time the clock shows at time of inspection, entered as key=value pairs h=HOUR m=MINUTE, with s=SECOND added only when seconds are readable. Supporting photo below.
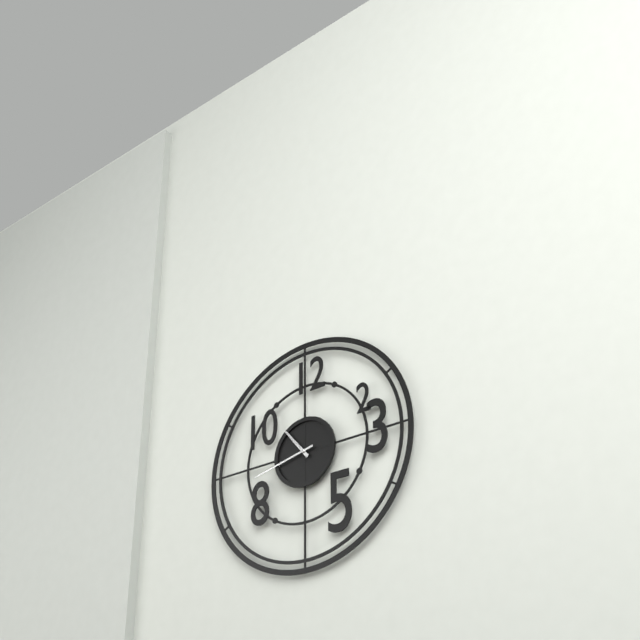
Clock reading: h=10 m=43
